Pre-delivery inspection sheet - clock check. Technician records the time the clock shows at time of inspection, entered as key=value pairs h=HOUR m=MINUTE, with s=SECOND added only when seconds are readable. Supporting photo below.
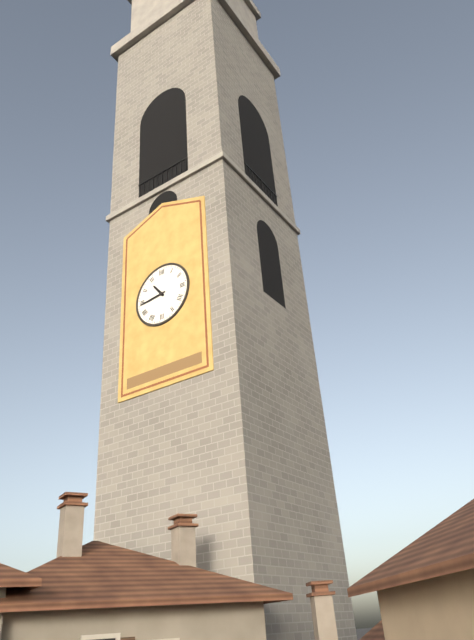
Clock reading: h=10 m=44
